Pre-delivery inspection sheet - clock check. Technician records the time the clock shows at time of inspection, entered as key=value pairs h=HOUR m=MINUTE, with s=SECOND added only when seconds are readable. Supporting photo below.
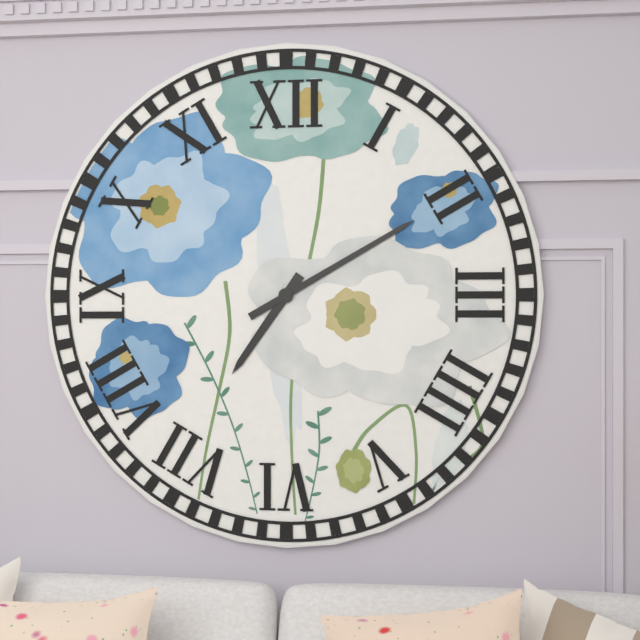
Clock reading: h=7 m=10
